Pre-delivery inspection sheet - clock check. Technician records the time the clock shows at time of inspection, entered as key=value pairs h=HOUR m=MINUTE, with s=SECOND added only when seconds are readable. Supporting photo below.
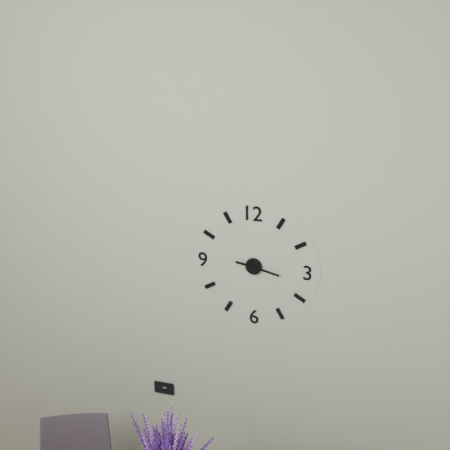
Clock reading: h=9 m=17
